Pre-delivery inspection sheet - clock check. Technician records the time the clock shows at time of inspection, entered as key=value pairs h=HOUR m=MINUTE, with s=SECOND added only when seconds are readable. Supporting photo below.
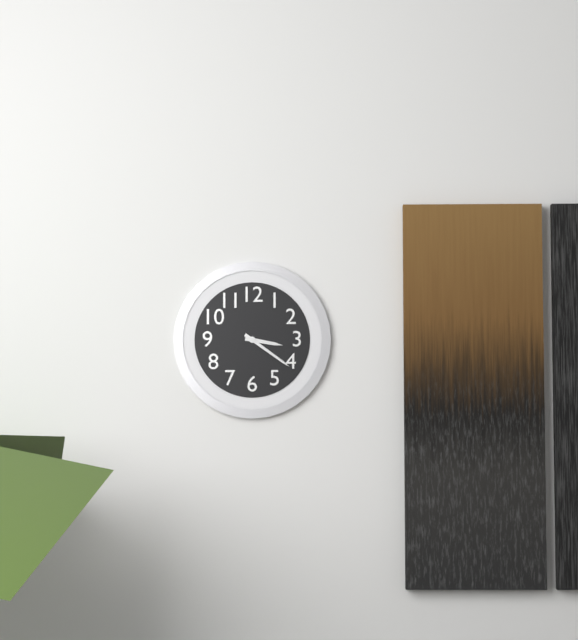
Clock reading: h=3 m=21
